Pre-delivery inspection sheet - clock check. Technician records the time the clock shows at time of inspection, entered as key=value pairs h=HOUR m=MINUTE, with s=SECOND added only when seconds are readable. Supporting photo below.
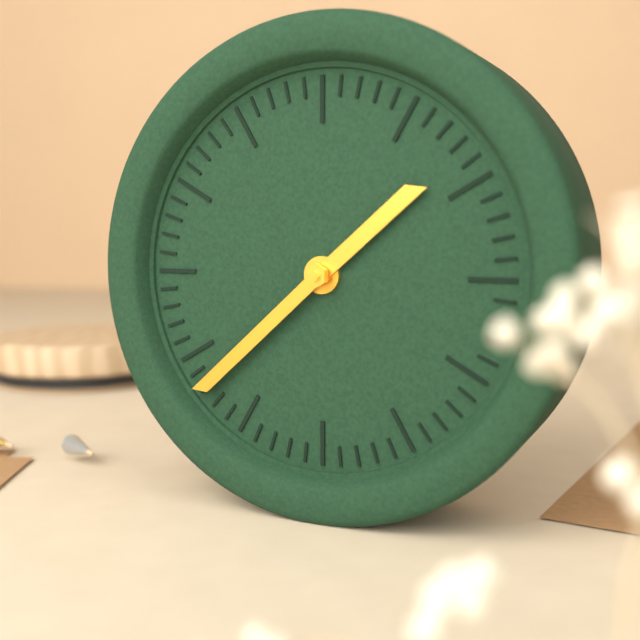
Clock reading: h=1 m=38
